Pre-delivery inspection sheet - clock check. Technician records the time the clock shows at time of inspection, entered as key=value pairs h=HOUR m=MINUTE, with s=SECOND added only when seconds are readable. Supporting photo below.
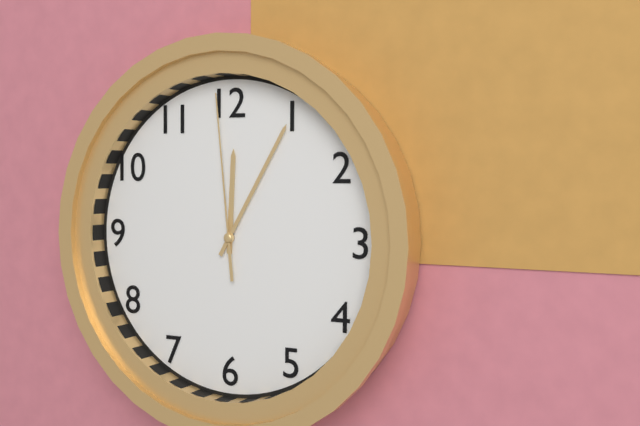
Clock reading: h=12 m=5 s=59
